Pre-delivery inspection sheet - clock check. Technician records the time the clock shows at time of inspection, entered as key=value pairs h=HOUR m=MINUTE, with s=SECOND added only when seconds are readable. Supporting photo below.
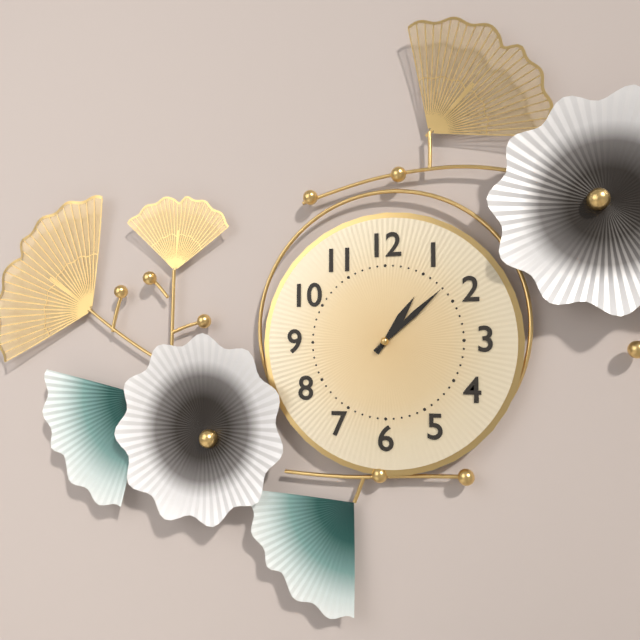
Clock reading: h=1 m=8
